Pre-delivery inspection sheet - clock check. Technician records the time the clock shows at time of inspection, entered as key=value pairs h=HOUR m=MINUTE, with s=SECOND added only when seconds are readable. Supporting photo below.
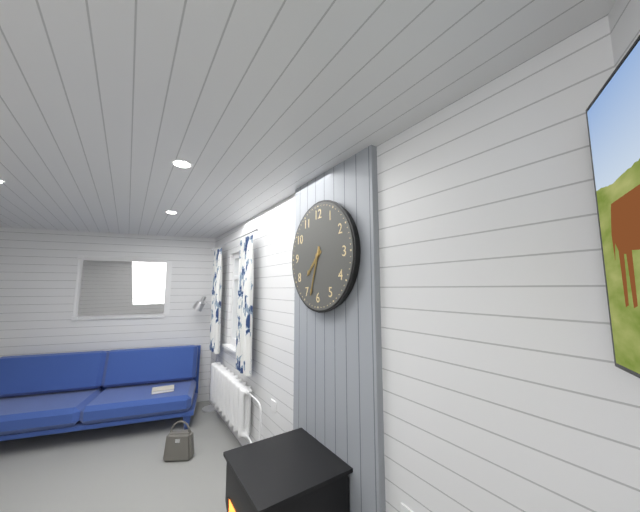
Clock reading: h=7 m=33
